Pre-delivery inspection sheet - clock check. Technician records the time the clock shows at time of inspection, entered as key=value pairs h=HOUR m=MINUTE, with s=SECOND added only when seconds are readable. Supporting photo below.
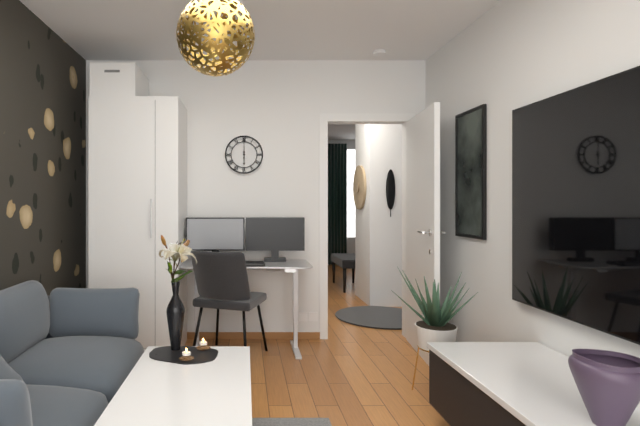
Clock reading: h=6 m=0
